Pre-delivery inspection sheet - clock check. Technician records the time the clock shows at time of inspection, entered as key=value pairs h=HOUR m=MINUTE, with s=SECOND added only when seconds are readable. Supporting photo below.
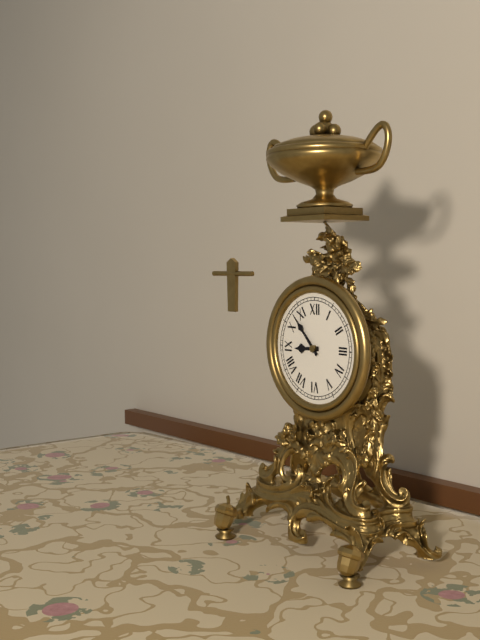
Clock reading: h=8 m=53
